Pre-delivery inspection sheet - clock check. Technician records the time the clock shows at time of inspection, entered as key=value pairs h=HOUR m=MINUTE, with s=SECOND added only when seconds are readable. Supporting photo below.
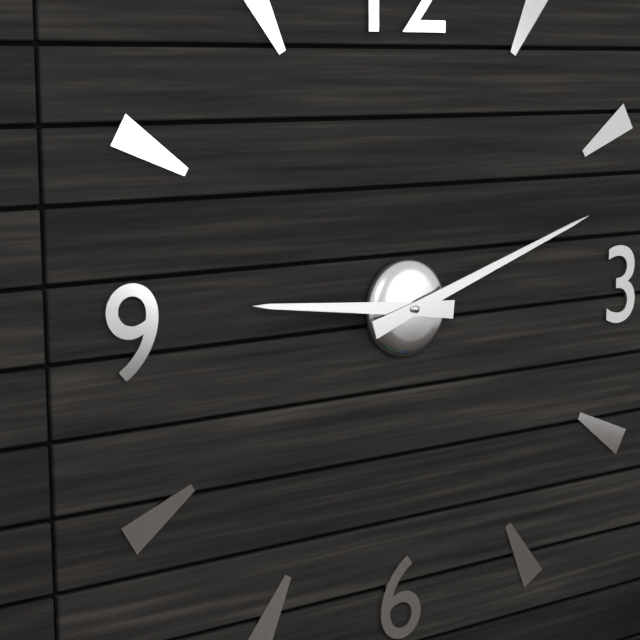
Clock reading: h=9 m=12
